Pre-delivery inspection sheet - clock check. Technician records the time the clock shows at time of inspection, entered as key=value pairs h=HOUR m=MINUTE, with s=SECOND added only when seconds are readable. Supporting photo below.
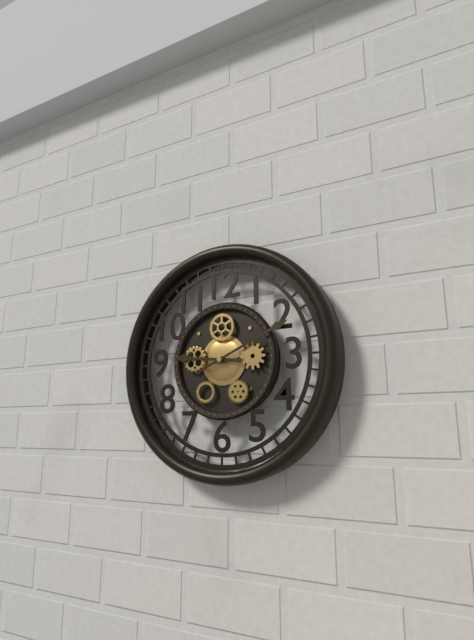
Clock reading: h=9 m=11
